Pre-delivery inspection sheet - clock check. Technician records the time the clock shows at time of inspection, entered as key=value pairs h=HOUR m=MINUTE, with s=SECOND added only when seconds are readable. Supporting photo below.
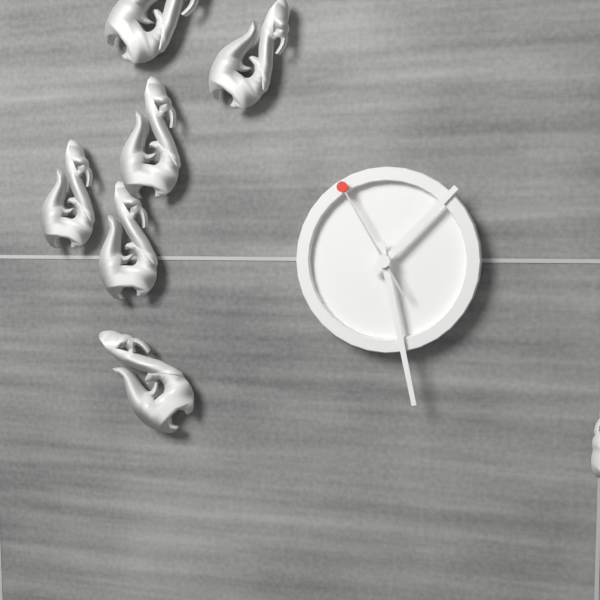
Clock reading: h=1 m=28 s=55
